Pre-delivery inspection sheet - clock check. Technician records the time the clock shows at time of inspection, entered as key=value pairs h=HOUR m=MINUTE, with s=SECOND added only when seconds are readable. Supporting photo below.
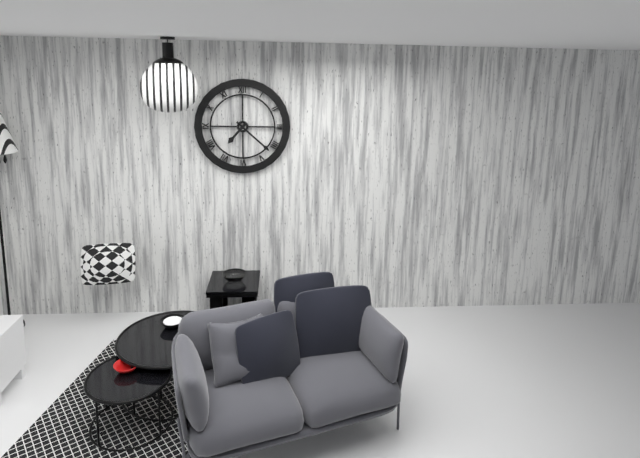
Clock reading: h=7 m=22
